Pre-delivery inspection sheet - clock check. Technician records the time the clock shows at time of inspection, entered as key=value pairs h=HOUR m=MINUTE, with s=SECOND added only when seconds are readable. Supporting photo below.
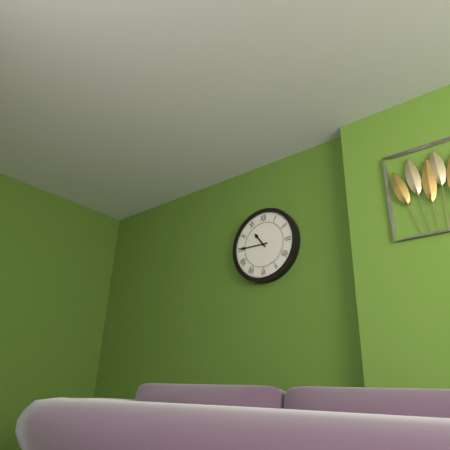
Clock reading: h=10 m=45
